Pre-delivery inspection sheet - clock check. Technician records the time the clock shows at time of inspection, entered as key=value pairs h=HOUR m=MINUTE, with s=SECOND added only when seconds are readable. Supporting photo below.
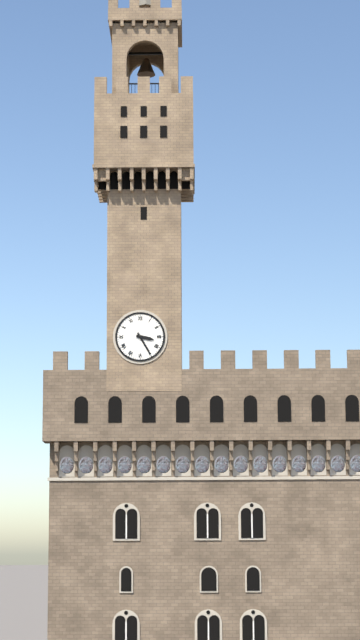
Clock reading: h=3 m=25
